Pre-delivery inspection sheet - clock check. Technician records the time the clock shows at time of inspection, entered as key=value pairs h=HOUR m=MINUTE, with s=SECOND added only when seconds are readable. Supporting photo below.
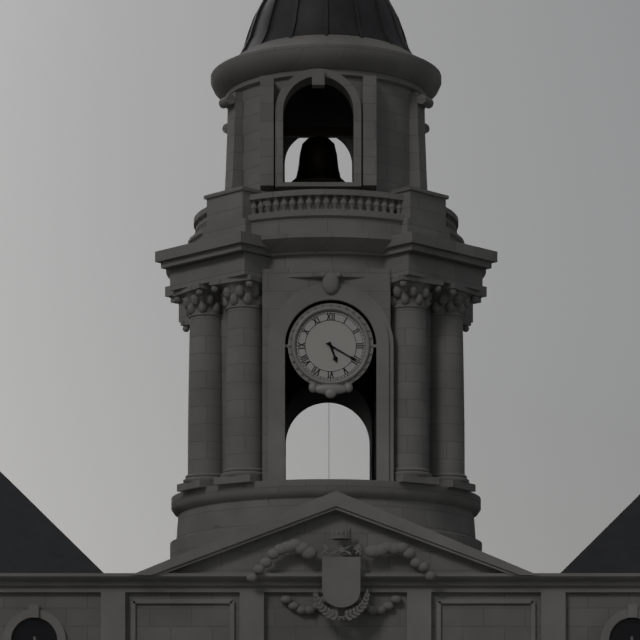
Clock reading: h=5 m=20
